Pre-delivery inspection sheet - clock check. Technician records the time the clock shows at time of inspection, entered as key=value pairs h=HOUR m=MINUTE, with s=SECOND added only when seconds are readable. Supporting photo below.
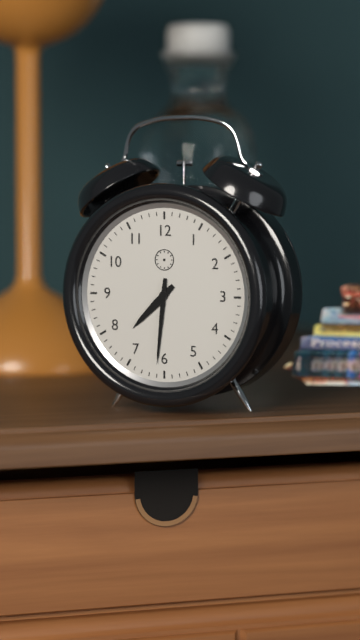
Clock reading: h=7 m=31
